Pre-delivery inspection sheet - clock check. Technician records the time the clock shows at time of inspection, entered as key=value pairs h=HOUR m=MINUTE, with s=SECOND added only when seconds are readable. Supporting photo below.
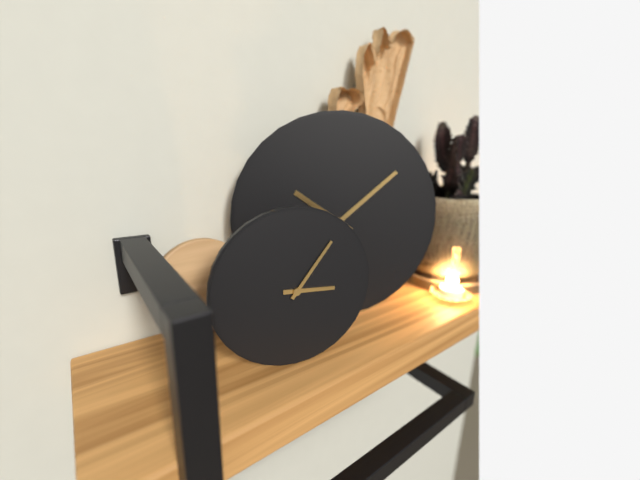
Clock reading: h=3 m=6
